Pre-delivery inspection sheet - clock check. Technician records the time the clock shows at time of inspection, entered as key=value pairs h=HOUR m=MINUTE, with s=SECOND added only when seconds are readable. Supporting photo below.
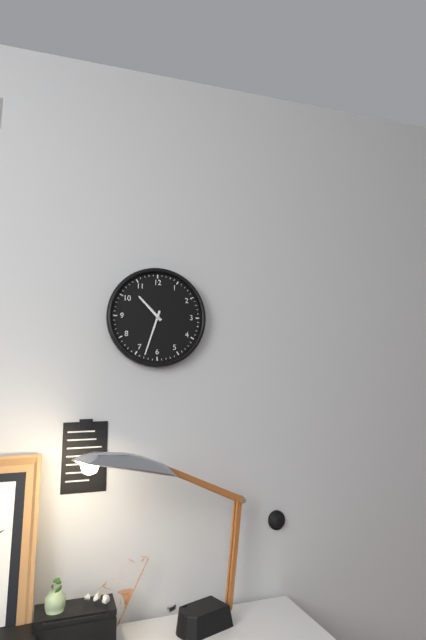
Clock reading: h=10 m=33
